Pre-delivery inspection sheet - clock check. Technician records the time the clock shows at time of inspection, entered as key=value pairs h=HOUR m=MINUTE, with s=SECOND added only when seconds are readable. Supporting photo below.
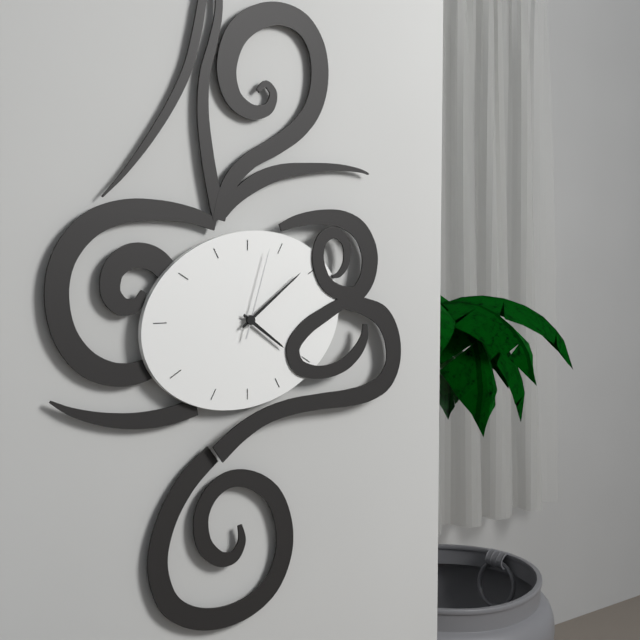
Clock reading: h=4 m=9 s=3
